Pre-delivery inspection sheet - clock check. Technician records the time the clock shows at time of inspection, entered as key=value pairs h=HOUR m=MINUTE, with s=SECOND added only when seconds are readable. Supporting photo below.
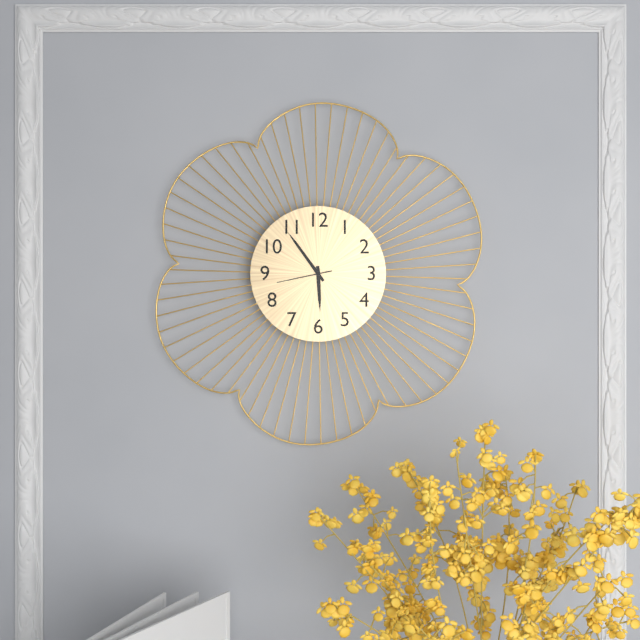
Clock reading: h=5 m=54 s=43
